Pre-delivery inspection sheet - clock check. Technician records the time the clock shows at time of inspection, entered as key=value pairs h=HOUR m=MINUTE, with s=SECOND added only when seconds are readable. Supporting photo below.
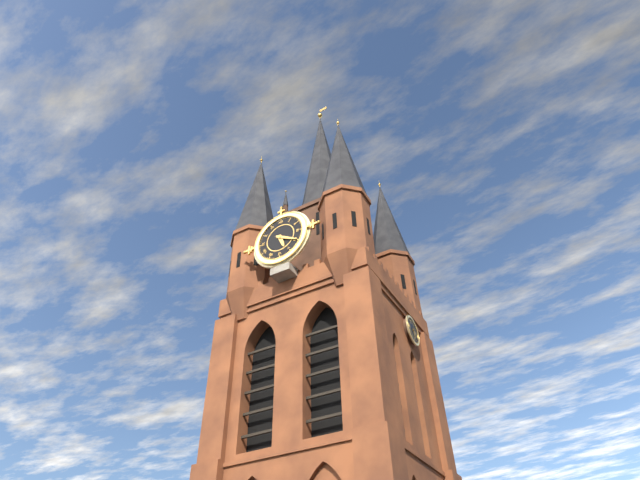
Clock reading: h=5 m=20
